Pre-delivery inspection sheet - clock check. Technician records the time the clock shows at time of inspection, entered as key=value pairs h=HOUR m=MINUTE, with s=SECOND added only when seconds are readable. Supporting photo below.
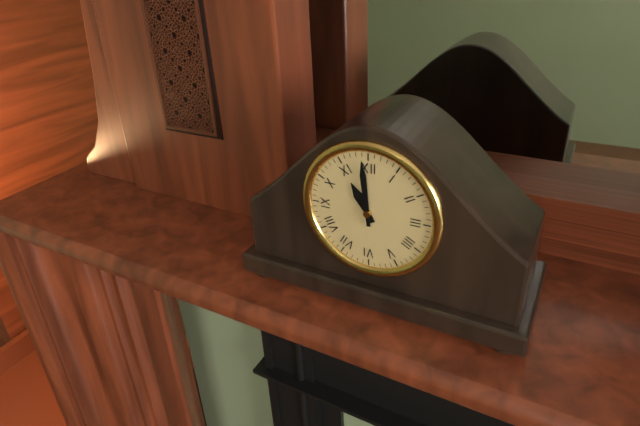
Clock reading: h=10 m=59
